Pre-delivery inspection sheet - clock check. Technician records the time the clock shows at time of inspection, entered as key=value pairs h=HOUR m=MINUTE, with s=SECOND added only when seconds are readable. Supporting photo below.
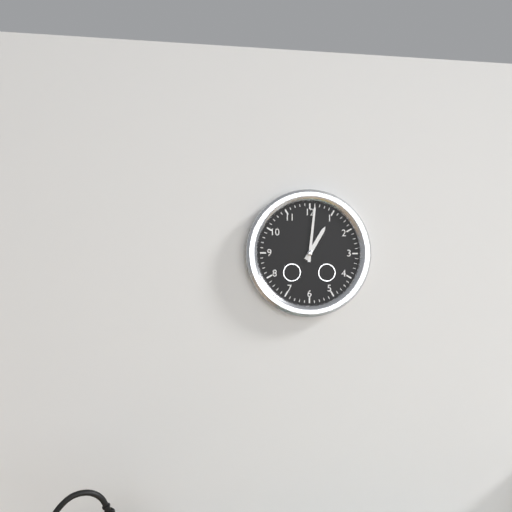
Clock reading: h=1 m=1
